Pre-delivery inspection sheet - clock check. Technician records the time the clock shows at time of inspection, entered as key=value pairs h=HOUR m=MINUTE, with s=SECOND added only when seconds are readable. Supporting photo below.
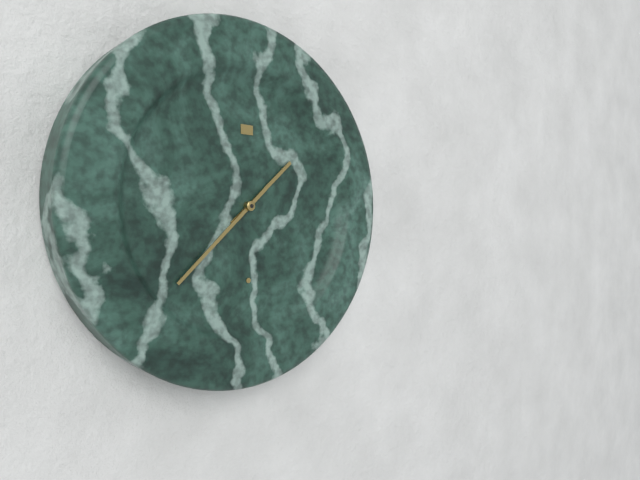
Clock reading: h=1 m=38
